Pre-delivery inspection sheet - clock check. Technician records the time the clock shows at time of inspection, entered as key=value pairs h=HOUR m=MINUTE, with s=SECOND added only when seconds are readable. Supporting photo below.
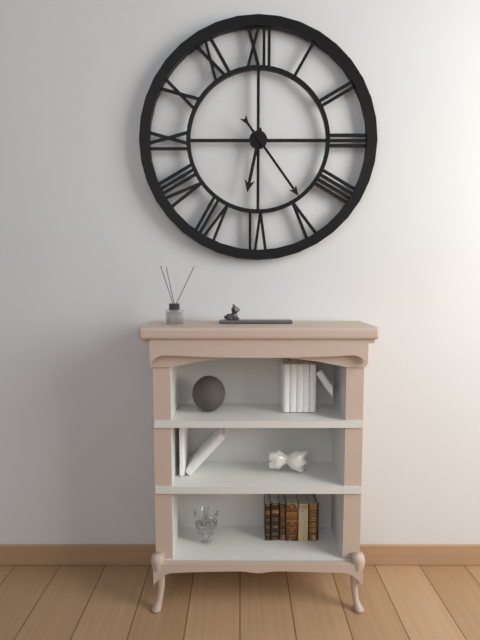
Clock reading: h=6 m=24
